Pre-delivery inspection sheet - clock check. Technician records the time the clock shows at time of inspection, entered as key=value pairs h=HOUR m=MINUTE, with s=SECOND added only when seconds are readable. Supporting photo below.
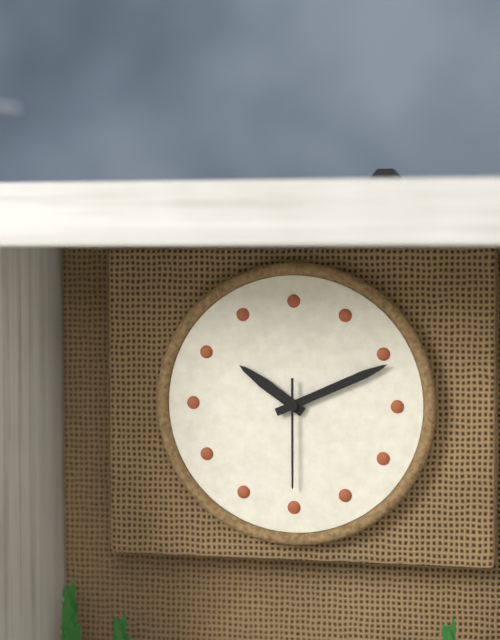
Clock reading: h=10 m=11 s=30
